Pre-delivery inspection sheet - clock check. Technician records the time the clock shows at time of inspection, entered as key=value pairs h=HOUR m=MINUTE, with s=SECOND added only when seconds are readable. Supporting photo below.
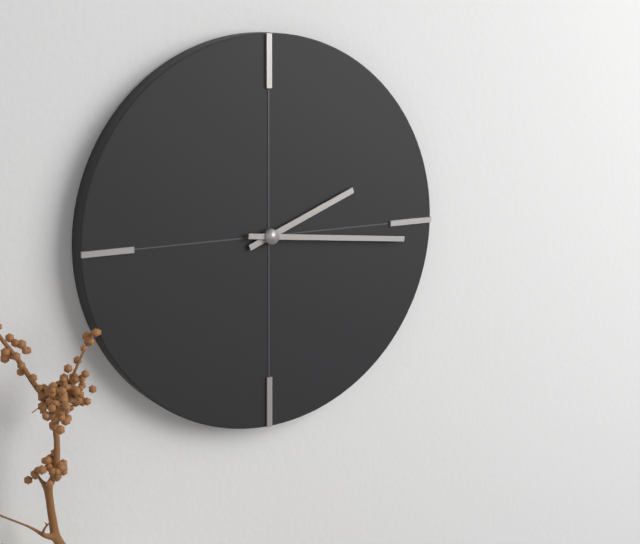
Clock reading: h=2 m=16
